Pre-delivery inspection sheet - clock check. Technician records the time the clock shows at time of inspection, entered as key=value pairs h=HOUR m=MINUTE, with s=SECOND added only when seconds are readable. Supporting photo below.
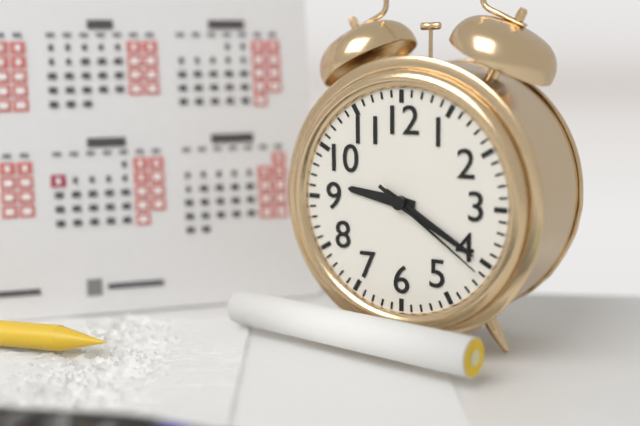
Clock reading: h=9 m=20 s=21
